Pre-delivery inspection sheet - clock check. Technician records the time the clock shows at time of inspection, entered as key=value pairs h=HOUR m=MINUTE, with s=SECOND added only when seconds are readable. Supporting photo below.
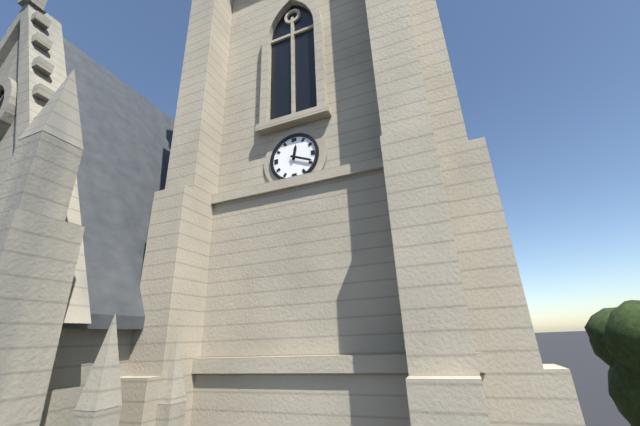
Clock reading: h=12 m=19
